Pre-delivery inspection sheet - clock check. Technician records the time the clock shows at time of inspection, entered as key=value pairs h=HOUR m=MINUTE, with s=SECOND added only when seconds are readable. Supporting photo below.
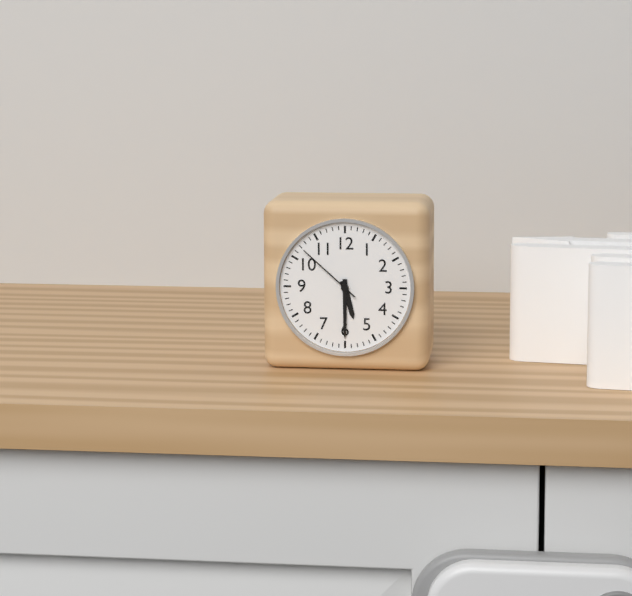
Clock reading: h=5 m=30 s=52
